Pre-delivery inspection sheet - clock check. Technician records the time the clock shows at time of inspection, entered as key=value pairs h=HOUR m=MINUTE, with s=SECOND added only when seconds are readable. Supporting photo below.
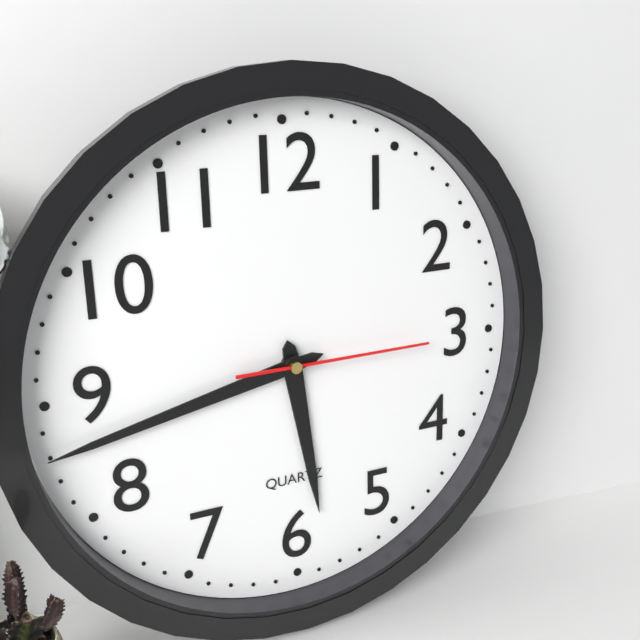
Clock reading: h=5 m=43 s=15
